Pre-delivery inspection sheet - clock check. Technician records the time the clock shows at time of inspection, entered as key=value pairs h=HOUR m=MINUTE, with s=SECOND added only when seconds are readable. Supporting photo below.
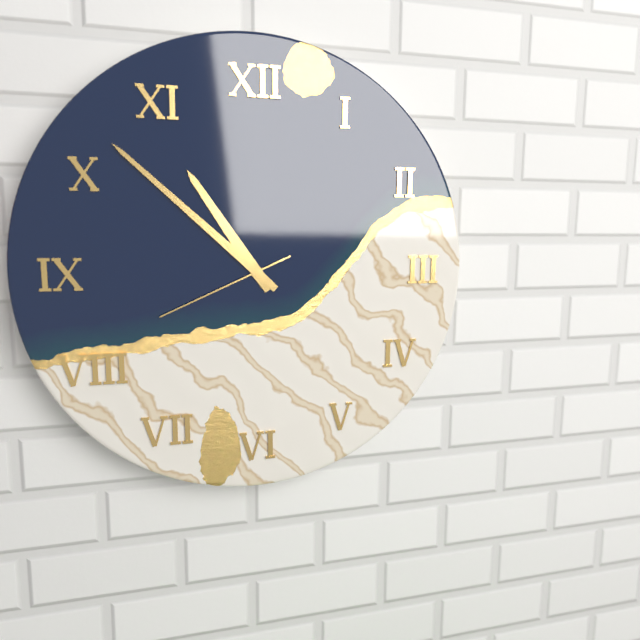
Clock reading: h=10 m=52 s=41
